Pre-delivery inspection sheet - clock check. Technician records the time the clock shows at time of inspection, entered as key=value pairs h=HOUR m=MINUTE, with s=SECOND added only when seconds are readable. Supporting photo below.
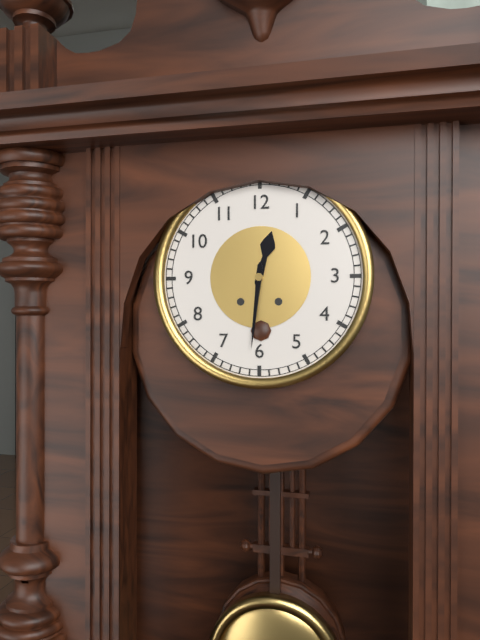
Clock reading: h=12 m=31
